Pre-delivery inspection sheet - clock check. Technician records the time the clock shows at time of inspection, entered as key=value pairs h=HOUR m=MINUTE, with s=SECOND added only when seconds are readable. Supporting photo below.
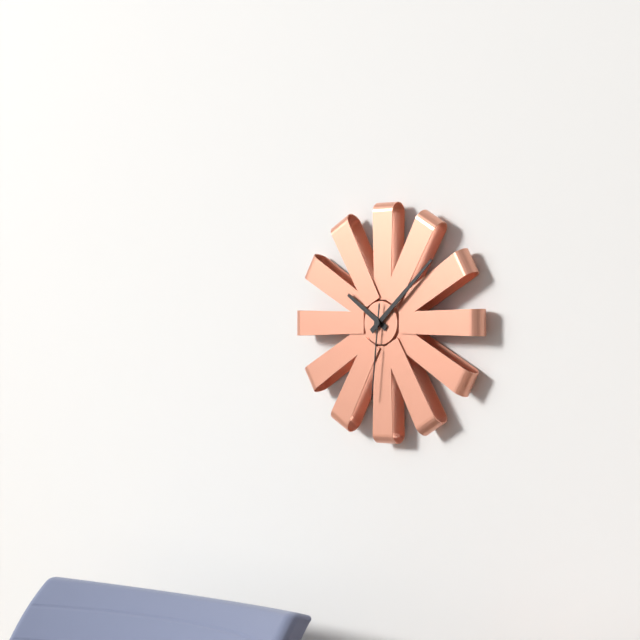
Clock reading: h=10 m=8 s=31
